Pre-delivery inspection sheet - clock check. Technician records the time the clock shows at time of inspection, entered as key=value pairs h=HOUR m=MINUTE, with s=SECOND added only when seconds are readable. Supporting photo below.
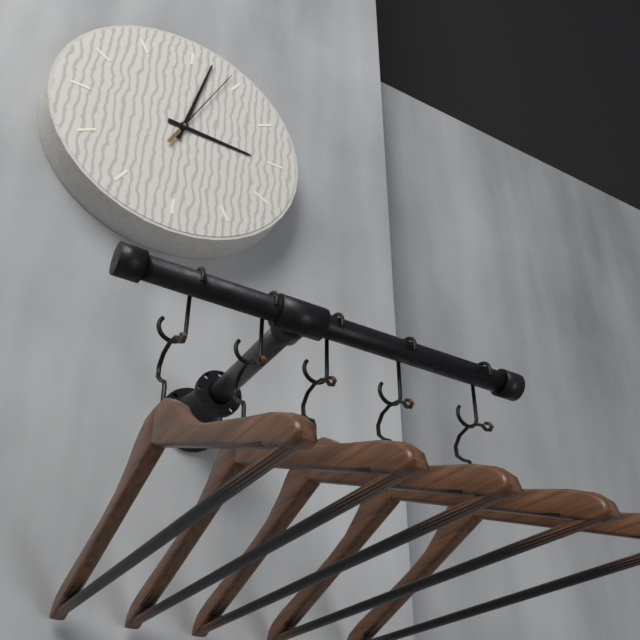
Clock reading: h=3 m=2 s=4
